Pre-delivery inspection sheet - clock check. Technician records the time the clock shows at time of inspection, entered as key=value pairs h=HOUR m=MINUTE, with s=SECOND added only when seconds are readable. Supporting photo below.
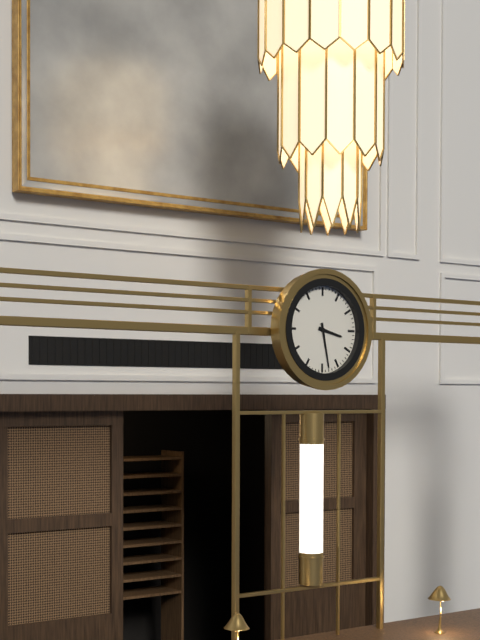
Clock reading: h=3 m=28
